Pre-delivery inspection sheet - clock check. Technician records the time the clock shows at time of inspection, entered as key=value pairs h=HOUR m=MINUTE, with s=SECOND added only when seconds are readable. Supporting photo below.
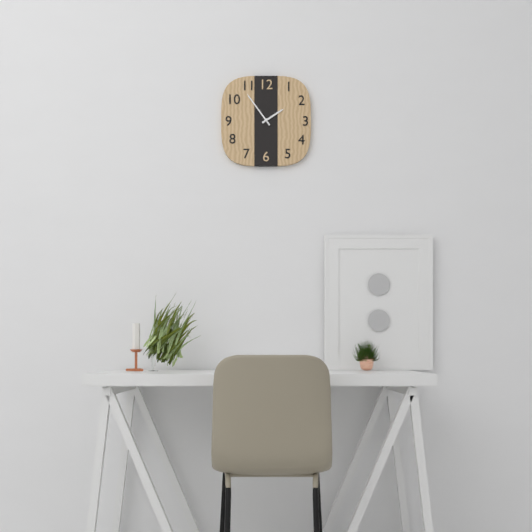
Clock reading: h=1 m=54
